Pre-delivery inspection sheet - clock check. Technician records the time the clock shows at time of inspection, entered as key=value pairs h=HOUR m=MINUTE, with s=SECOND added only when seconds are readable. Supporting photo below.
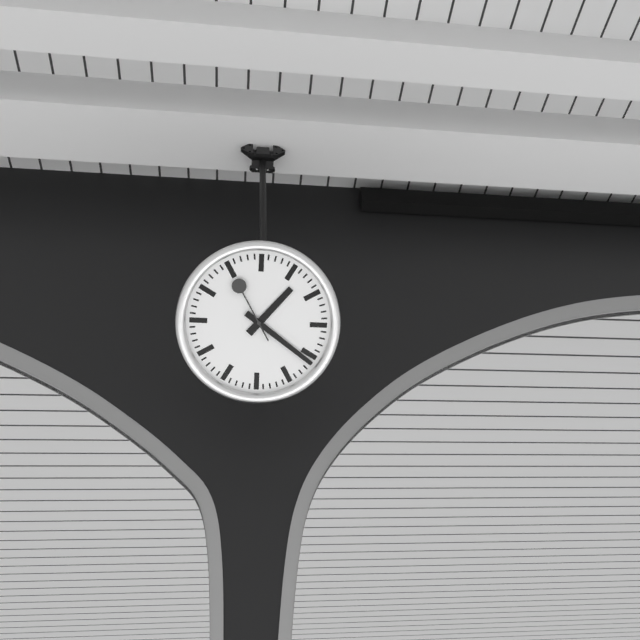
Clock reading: h=1 m=21 s=55
